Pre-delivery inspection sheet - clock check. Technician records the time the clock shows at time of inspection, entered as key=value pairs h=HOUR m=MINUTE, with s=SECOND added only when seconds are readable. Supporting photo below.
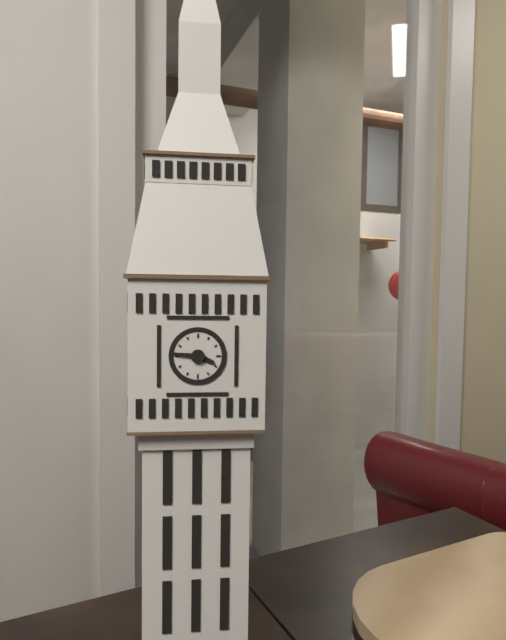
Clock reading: h=3 m=46
